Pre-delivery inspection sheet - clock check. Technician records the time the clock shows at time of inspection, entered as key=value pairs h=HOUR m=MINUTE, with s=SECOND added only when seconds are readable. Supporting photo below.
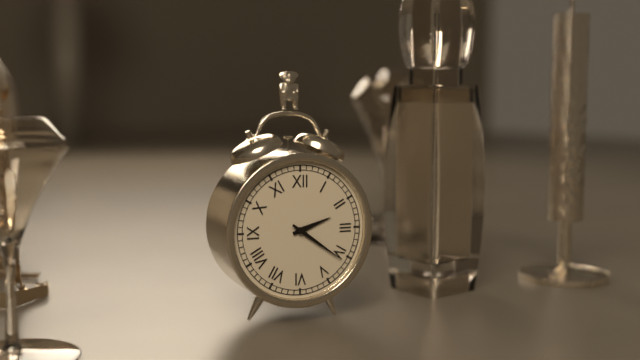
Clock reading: h=2 m=21
